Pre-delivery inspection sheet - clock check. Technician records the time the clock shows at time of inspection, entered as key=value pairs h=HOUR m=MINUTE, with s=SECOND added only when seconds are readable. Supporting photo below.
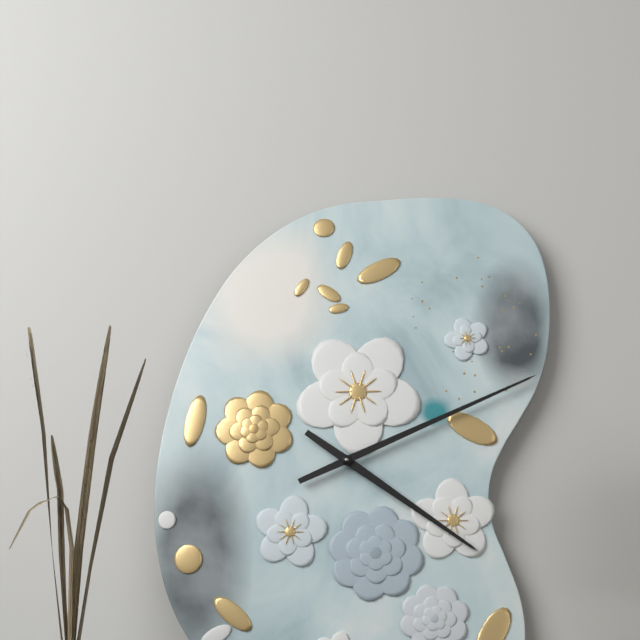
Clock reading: h=4 m=11
